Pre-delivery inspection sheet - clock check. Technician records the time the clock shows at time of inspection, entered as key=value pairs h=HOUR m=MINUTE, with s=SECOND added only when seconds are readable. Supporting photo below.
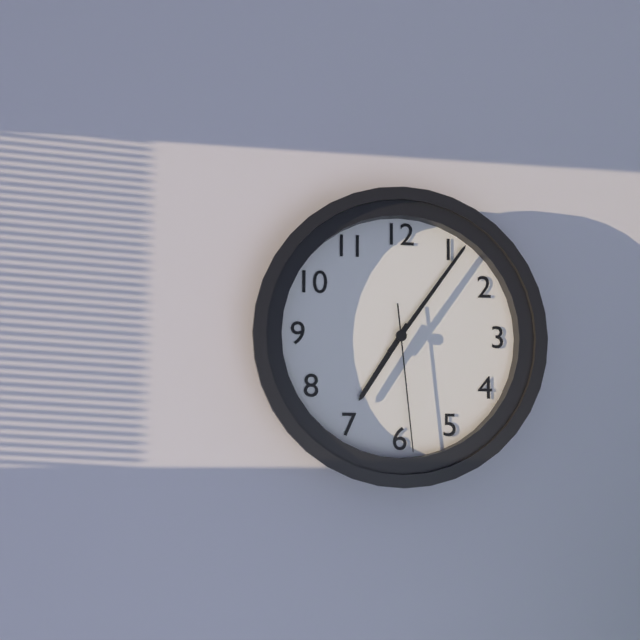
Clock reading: h=7 m=6 s=29
